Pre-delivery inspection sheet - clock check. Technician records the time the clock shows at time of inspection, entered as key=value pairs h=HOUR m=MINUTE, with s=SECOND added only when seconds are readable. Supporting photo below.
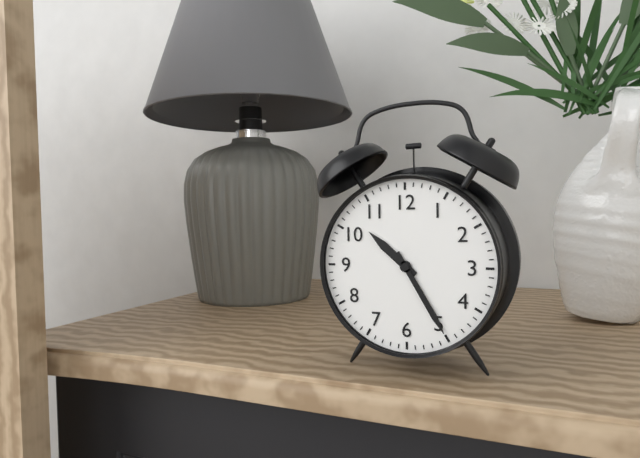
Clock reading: h=10 m=25
